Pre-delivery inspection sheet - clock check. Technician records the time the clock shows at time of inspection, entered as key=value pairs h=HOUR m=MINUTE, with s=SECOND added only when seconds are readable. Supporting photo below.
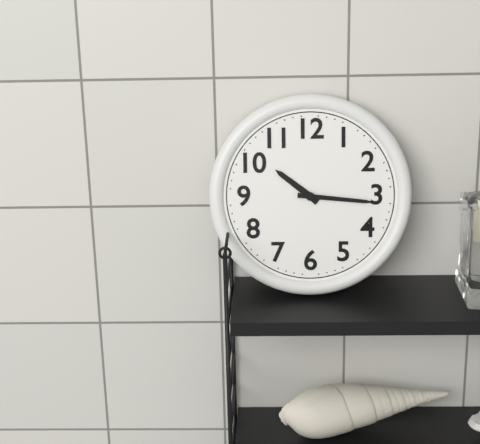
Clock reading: h=10 m=16
